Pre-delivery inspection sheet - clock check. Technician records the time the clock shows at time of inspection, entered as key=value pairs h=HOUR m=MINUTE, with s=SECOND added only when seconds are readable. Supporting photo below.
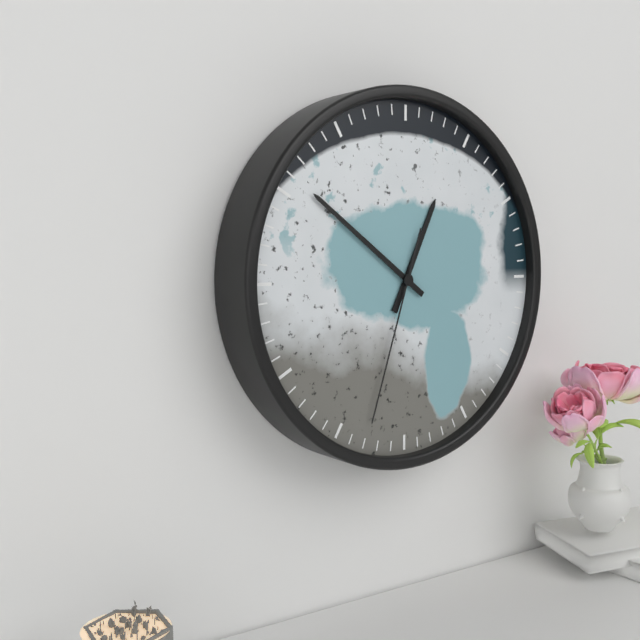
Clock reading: h=12 m=51 s=33
